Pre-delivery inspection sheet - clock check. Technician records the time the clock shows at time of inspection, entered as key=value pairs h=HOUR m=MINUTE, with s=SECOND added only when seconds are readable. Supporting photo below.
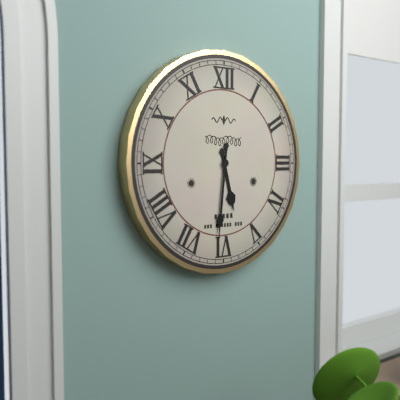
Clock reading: h=5 m=31
